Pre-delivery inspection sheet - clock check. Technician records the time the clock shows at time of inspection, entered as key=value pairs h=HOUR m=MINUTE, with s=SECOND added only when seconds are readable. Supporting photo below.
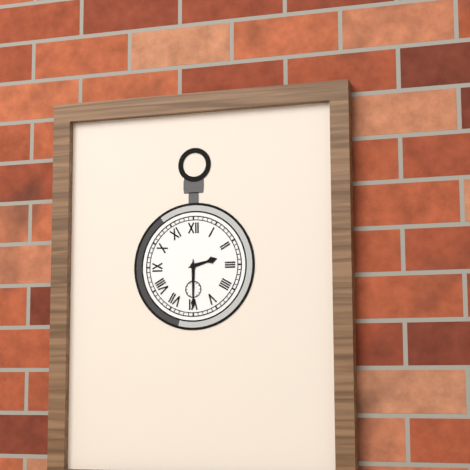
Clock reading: h=2 m=30
